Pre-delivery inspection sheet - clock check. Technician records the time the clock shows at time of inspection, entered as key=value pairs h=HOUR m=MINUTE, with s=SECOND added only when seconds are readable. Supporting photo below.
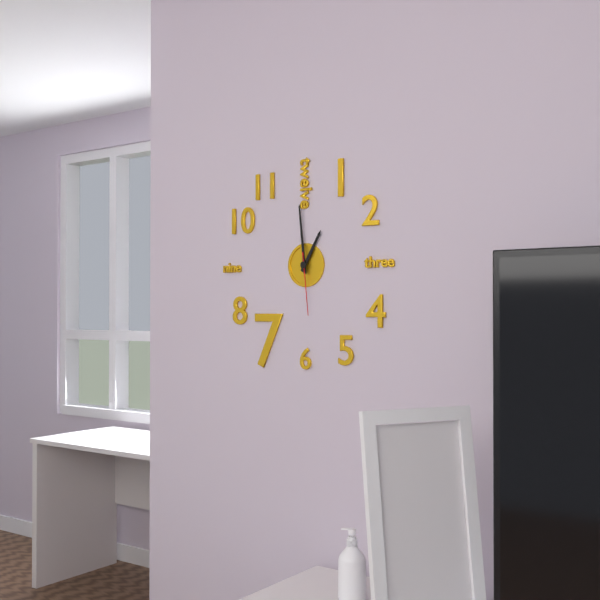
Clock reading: h=12 m=59 s=29
